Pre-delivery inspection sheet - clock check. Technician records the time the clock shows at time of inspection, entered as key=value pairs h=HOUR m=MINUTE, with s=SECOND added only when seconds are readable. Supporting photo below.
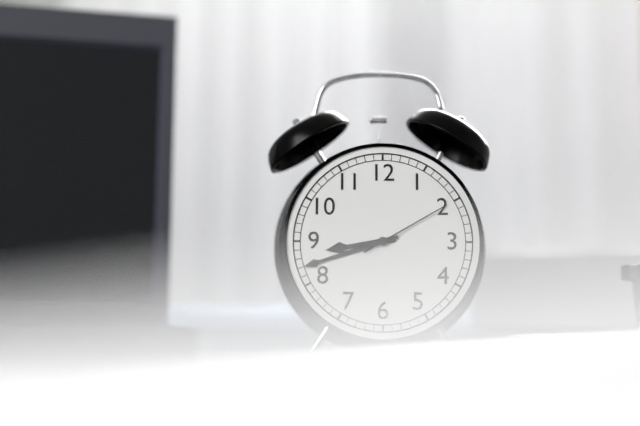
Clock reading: h=8 m=42 s=10
